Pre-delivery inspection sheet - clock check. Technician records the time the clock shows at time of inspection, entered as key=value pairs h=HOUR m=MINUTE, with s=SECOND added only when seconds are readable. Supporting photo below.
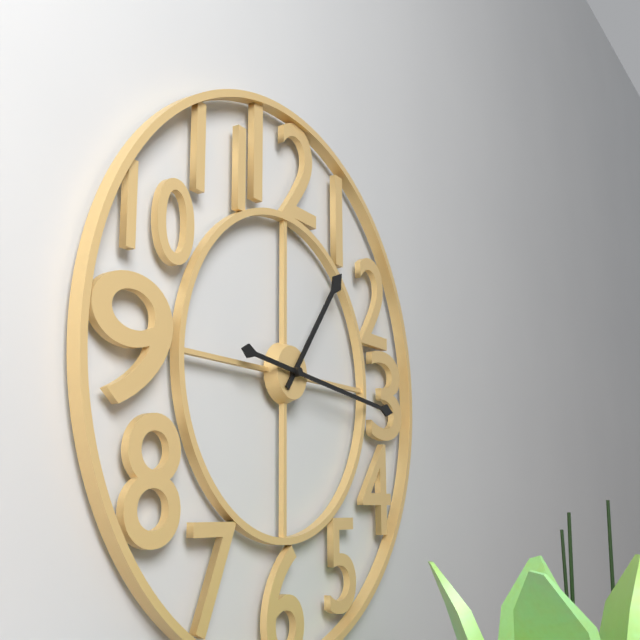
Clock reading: h=1 m=16
